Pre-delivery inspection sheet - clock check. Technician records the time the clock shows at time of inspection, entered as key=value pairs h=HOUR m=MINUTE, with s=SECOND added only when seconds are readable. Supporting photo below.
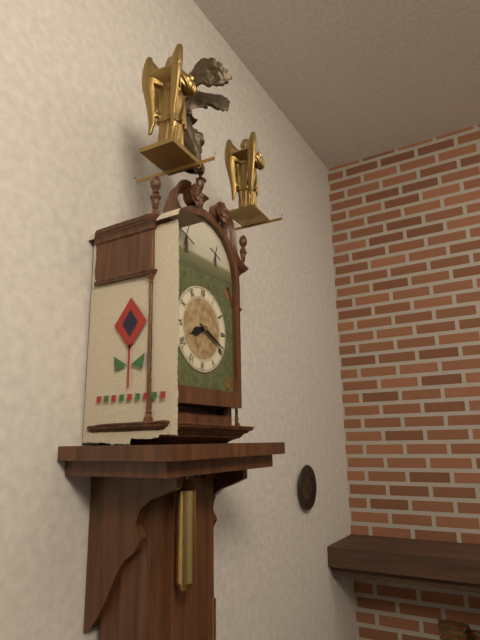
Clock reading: h=8 m=19
